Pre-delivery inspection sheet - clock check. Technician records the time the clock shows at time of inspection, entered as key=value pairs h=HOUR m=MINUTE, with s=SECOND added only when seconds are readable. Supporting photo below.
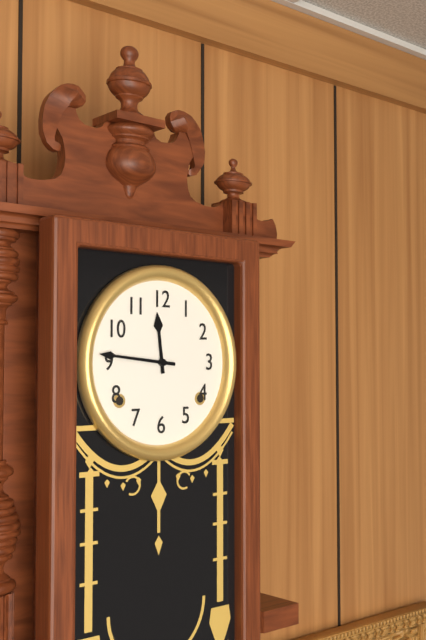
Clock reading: h=11 m=46
